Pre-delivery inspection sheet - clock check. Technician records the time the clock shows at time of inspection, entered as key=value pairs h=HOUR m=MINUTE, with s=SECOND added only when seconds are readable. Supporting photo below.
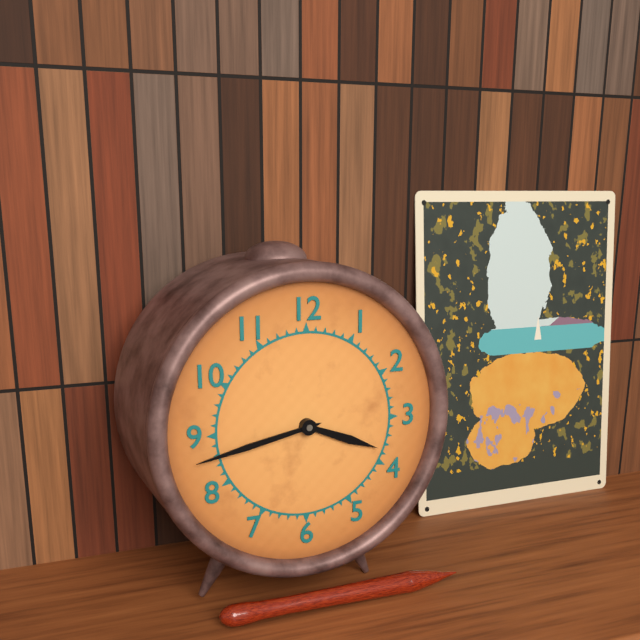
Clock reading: h=3 m=43
